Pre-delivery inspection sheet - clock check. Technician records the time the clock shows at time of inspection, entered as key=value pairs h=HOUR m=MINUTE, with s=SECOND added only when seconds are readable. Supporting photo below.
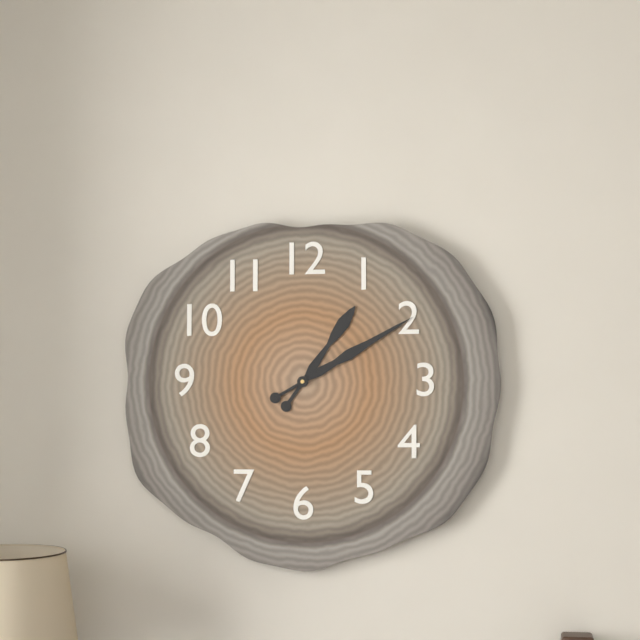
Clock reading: h=1 m=10
